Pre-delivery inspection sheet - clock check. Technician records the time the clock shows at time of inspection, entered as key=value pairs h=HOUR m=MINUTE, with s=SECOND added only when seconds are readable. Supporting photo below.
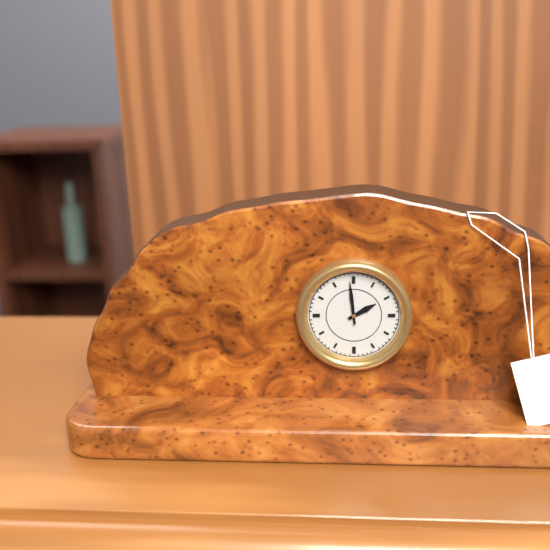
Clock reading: h=1 m=59
